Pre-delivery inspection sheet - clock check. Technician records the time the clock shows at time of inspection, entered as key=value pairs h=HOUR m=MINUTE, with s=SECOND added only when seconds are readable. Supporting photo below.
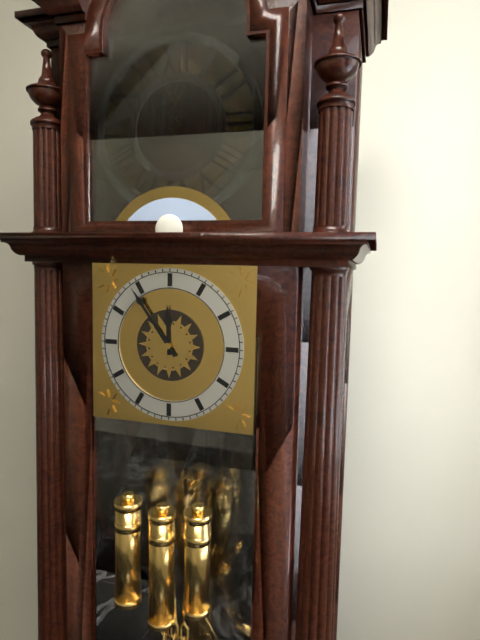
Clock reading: h=11 m=54
